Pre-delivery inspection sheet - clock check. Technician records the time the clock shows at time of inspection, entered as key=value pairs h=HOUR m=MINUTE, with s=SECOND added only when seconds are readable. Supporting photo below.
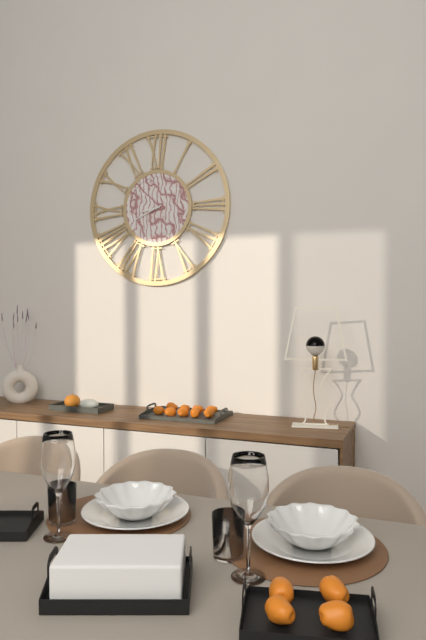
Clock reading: h=8 m=41
